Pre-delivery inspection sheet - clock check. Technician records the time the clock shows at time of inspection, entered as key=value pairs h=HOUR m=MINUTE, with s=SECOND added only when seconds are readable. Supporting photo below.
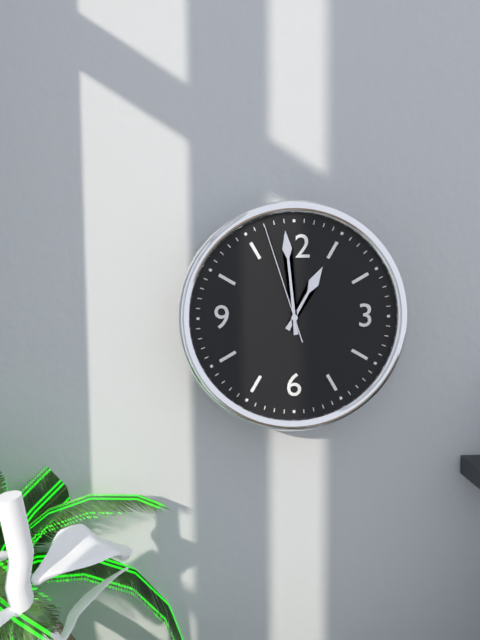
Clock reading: h=12 m=59 s=57
